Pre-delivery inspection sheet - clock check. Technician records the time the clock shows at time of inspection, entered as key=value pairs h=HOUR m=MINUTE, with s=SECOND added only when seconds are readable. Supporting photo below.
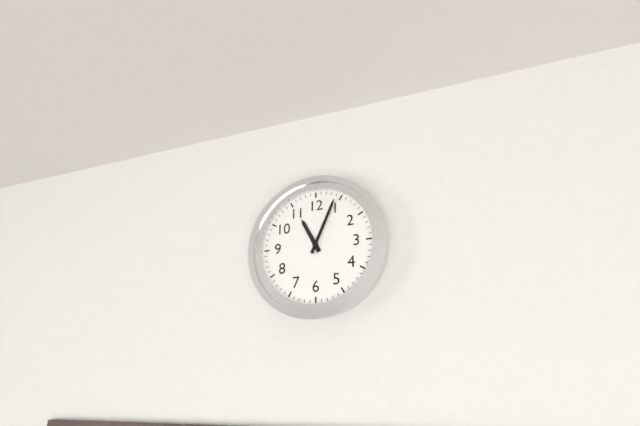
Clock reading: h=11 m=4
